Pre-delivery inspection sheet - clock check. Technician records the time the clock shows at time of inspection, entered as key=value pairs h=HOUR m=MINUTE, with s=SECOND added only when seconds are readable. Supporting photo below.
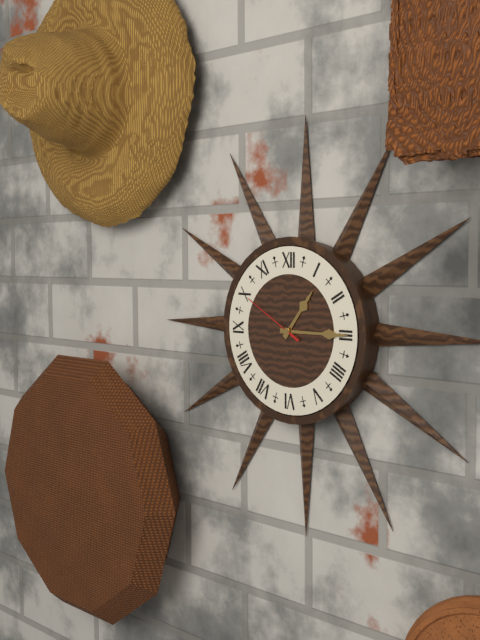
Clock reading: h=1 m=15 s=50
